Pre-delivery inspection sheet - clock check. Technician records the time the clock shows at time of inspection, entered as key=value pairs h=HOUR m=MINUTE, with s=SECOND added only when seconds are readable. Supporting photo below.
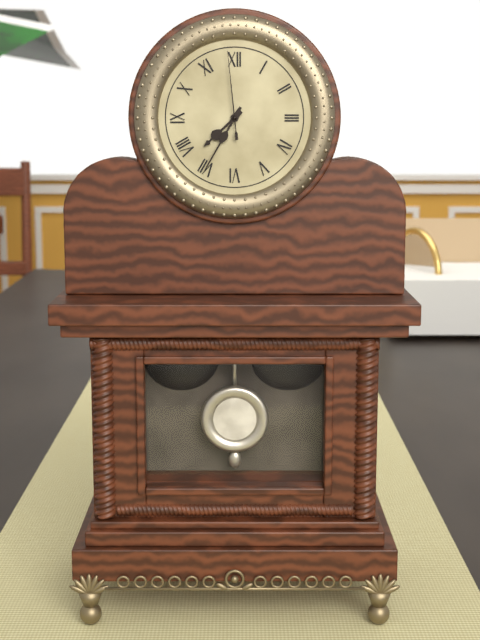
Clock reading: h=7 m=35 s=59
